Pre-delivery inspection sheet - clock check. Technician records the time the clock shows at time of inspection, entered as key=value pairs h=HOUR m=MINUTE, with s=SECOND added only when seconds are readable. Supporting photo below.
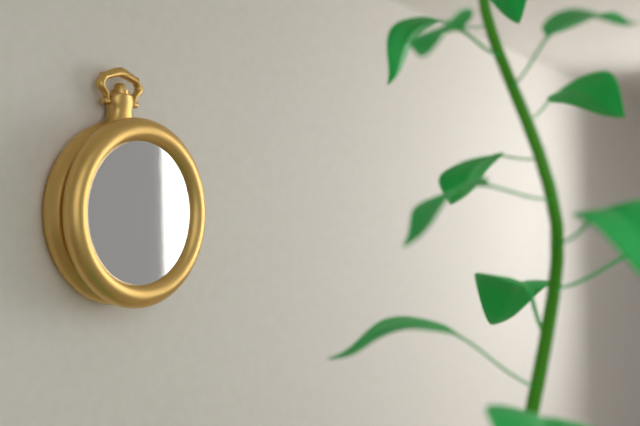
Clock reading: h=4 m=48
